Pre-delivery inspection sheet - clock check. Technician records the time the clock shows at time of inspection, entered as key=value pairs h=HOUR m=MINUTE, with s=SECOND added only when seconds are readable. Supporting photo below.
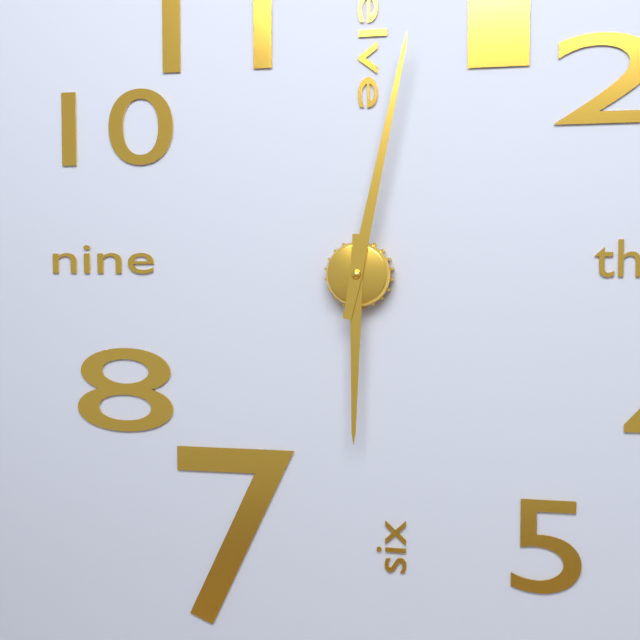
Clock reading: h=6 m=2
